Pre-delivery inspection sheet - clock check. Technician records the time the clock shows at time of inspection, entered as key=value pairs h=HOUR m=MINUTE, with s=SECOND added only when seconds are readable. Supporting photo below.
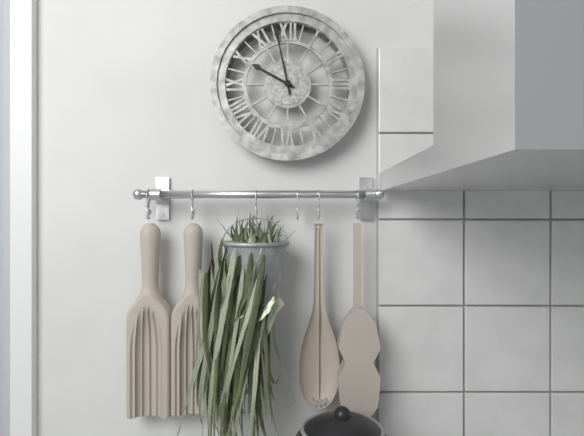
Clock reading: h=9 m=58
